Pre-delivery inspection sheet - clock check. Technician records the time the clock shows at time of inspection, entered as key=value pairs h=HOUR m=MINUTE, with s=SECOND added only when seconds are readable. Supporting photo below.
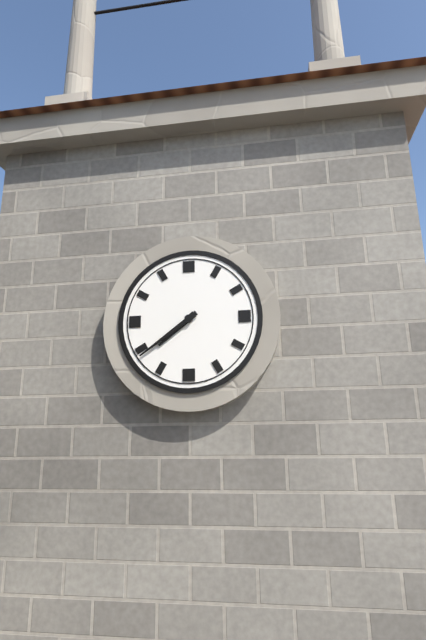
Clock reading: h=7 m=39
